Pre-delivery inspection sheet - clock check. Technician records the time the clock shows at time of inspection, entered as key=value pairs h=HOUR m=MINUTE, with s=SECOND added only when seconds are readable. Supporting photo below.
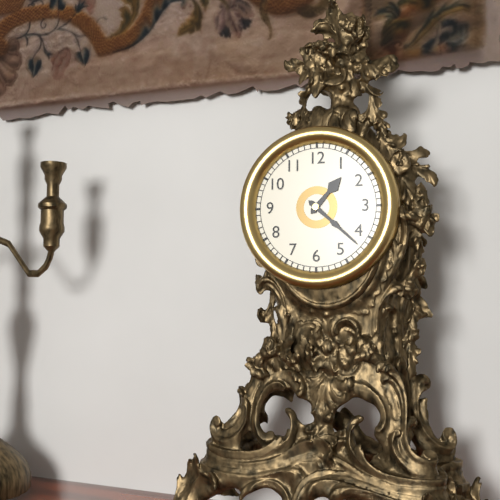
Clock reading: h=1 m=22
